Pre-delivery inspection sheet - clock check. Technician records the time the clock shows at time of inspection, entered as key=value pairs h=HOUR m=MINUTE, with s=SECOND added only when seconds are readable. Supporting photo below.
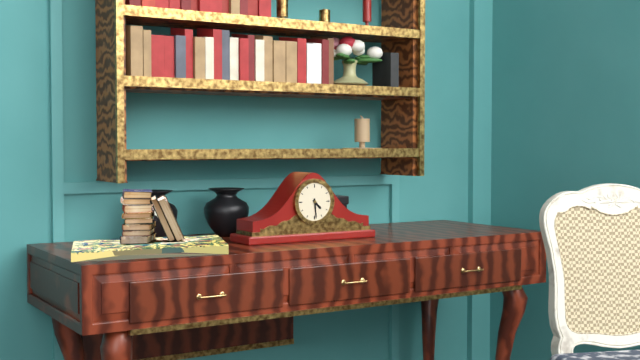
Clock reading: h=4 m=29
